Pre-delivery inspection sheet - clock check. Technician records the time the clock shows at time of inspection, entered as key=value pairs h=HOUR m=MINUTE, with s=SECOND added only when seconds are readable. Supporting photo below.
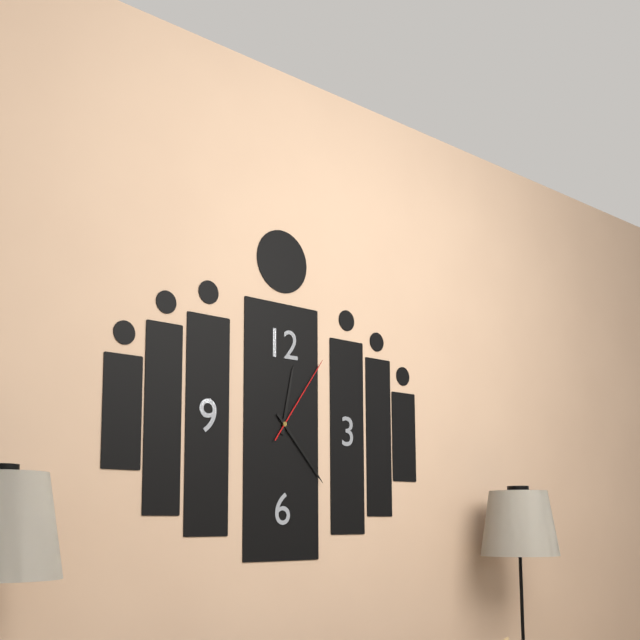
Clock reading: h=12 m=23 s=6
